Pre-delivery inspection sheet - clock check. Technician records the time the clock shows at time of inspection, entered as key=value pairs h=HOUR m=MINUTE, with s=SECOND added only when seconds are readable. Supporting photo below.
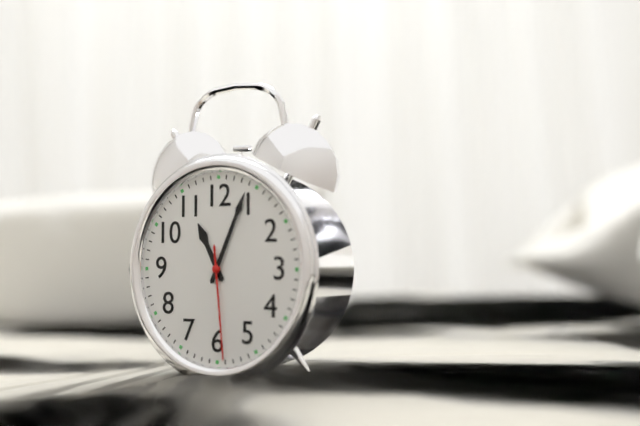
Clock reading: h=11 m=4 s=29
